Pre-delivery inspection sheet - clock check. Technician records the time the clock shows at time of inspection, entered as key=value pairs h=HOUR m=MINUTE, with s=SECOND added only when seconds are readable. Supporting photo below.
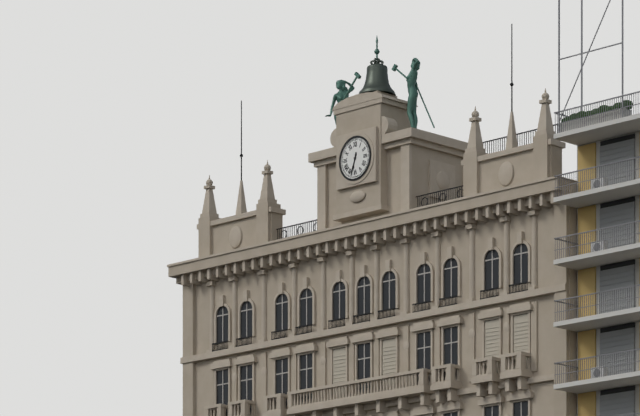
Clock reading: h=6 m=33
